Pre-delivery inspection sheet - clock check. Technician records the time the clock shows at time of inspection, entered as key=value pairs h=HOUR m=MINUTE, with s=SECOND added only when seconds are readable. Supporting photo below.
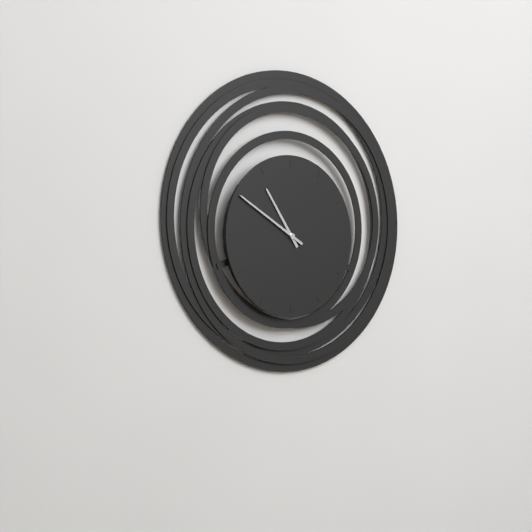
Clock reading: h=10 m=50
